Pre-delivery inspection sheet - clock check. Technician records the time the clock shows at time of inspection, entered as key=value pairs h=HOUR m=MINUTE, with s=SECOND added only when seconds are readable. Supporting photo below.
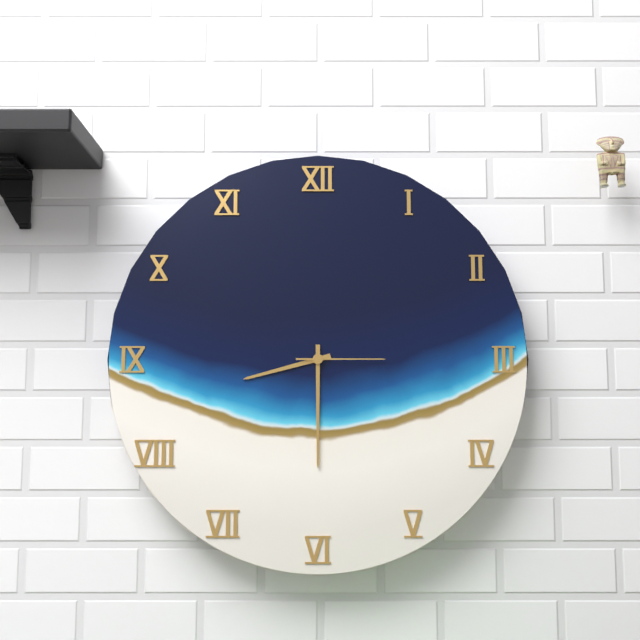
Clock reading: h=8 m=30 s=15
